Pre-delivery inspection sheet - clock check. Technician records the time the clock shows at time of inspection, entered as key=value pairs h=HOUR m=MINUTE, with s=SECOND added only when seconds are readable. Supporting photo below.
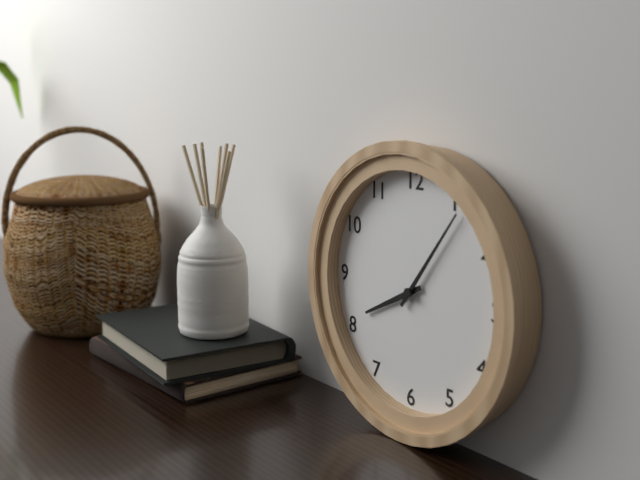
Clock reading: h=8 m=6
